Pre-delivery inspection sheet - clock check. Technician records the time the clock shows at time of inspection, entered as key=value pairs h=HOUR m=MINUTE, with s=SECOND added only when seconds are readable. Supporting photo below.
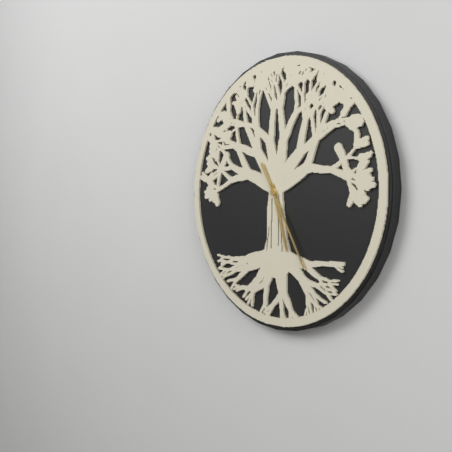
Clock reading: h=5 m=25
